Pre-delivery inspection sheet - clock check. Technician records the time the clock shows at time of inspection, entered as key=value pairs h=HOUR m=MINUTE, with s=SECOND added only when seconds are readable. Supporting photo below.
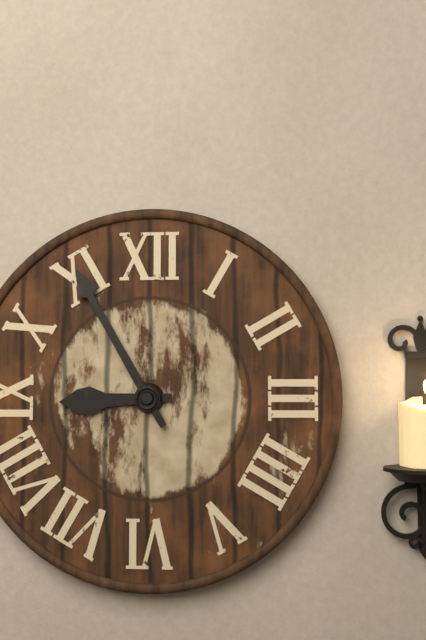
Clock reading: h=8 m=55
